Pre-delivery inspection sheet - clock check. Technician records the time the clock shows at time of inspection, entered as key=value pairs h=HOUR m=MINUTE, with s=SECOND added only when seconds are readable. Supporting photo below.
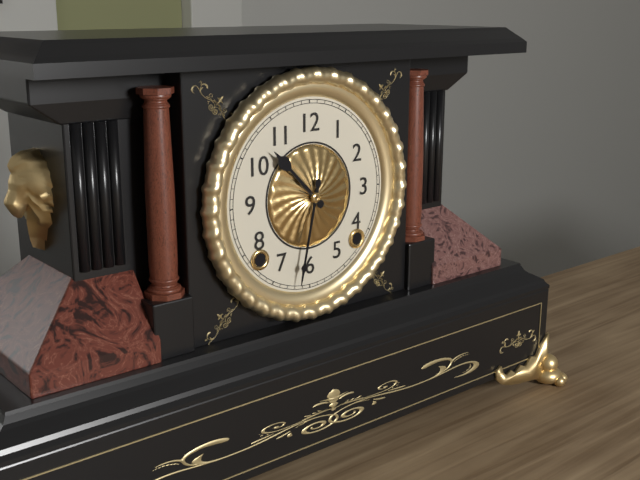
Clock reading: h=10 m=32
